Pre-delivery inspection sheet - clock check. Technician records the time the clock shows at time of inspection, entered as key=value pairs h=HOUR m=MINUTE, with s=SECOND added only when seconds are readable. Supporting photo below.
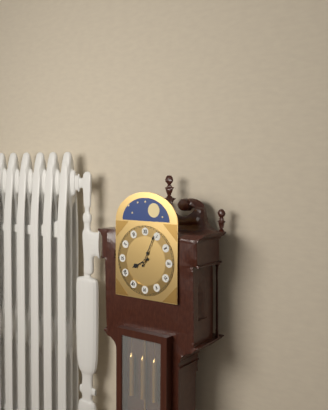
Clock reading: h=8 m=4
